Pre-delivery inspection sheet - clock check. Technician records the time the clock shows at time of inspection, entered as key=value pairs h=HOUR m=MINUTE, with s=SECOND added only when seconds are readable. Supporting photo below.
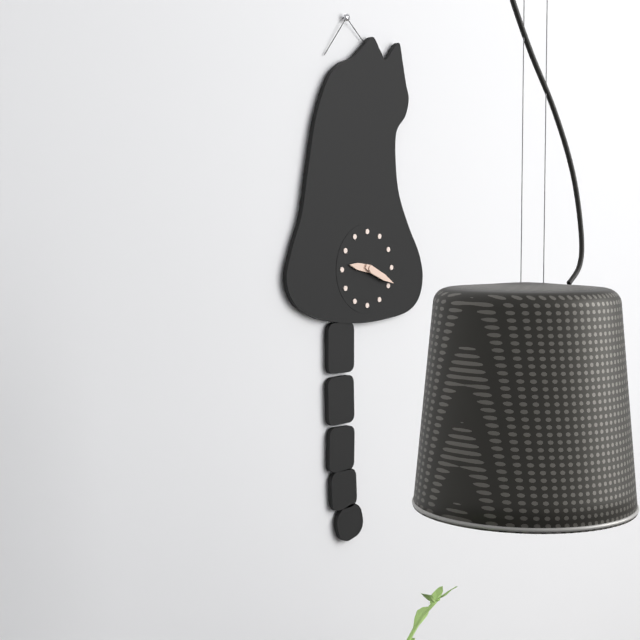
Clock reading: h=9 m=19
